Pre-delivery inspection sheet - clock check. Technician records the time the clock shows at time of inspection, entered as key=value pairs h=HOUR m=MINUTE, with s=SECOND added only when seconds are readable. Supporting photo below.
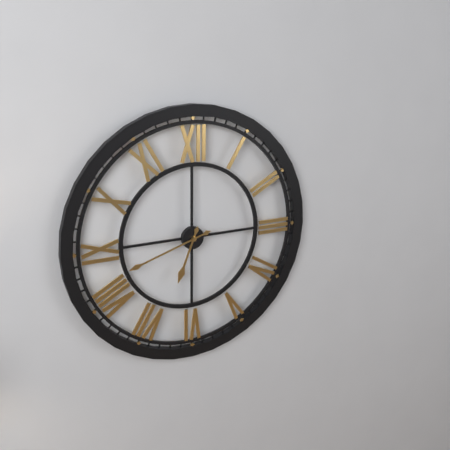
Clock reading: h=6 m=42
